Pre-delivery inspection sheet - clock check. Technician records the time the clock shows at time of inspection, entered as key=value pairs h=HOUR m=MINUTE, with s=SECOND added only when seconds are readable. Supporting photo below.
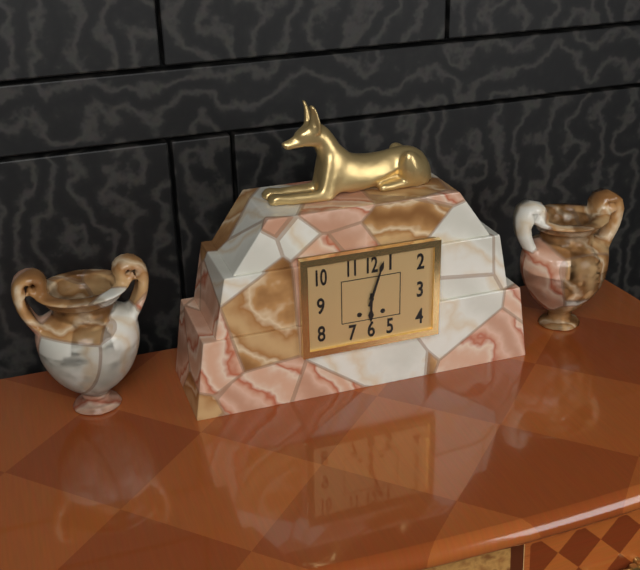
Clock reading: h=6 m=3
